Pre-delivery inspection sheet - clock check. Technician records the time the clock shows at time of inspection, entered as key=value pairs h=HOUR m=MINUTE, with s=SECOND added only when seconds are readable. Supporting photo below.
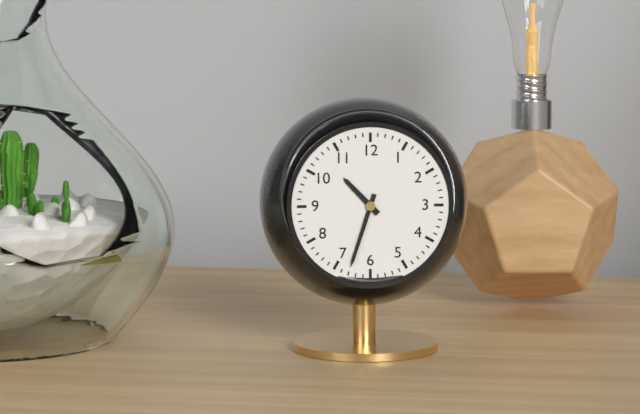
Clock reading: h=10 m=33
